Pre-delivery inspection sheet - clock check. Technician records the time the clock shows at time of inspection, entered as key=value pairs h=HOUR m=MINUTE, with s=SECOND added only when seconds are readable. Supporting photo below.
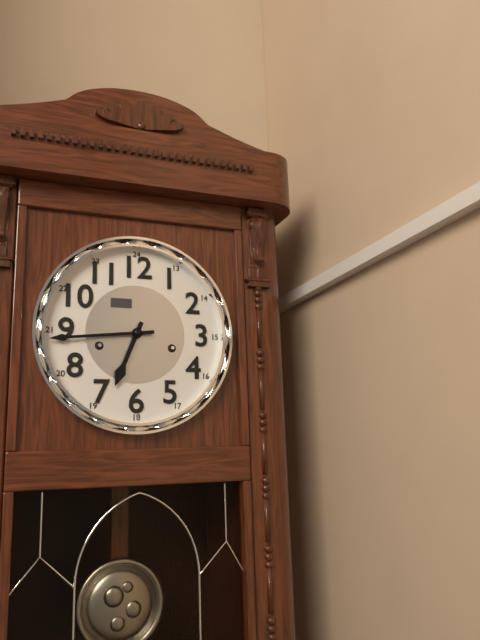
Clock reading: h=6 m=44
